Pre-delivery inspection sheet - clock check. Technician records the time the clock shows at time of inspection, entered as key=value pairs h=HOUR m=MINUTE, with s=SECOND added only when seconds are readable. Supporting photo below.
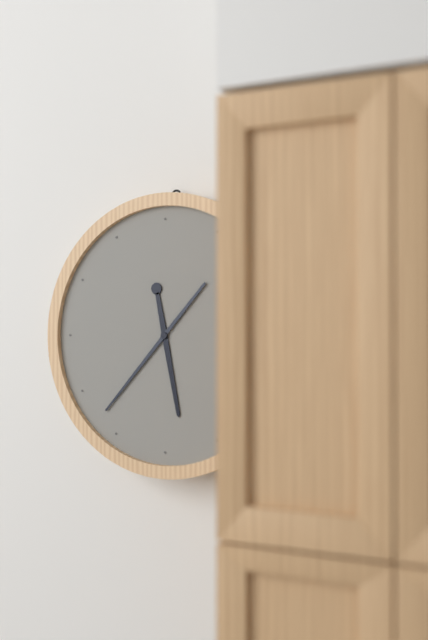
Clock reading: h=5 m=37
